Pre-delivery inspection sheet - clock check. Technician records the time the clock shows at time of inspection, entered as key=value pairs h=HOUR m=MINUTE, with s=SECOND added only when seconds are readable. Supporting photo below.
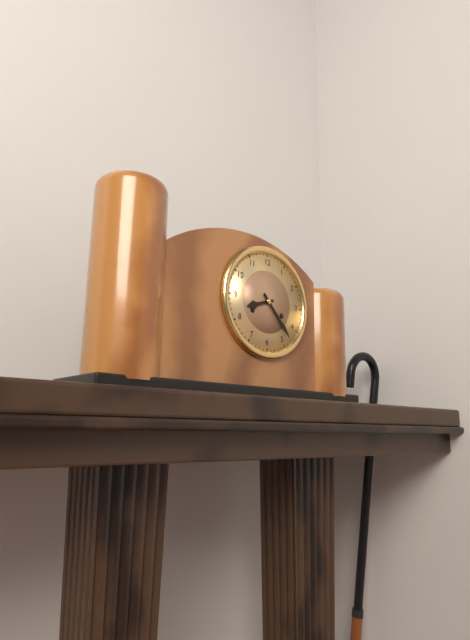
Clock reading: h=8 m=23
